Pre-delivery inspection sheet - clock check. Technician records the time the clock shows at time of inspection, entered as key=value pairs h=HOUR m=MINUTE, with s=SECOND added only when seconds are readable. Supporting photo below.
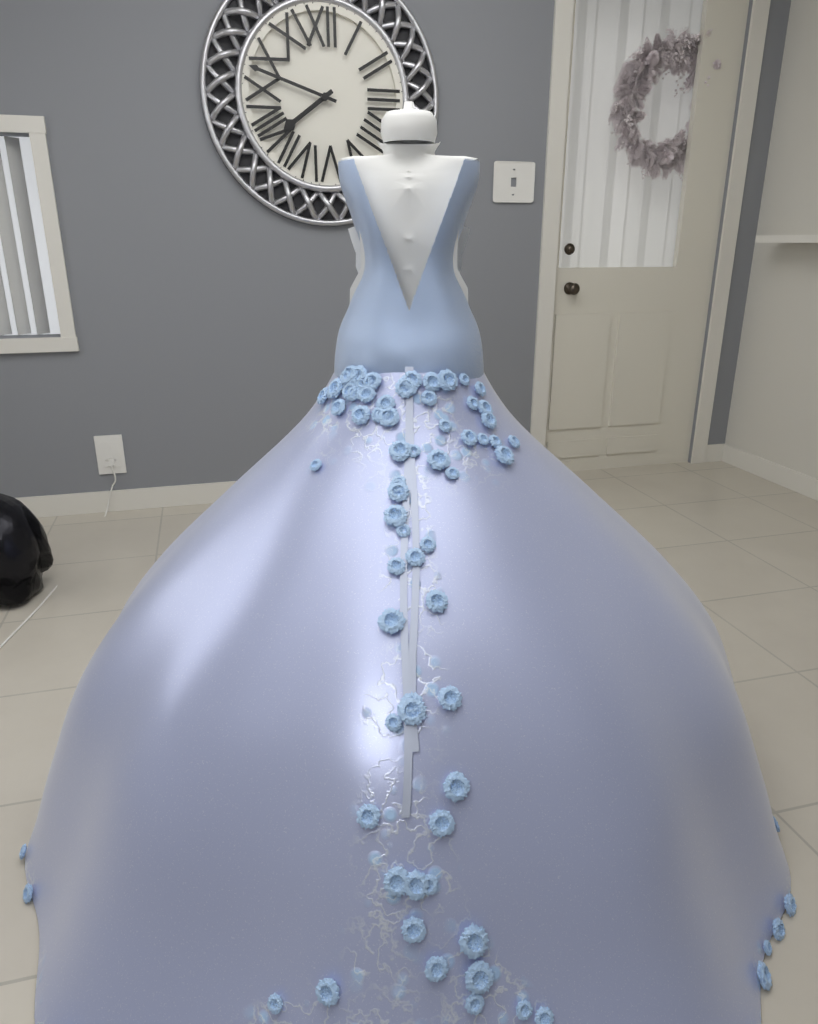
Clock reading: h=7 m=48
